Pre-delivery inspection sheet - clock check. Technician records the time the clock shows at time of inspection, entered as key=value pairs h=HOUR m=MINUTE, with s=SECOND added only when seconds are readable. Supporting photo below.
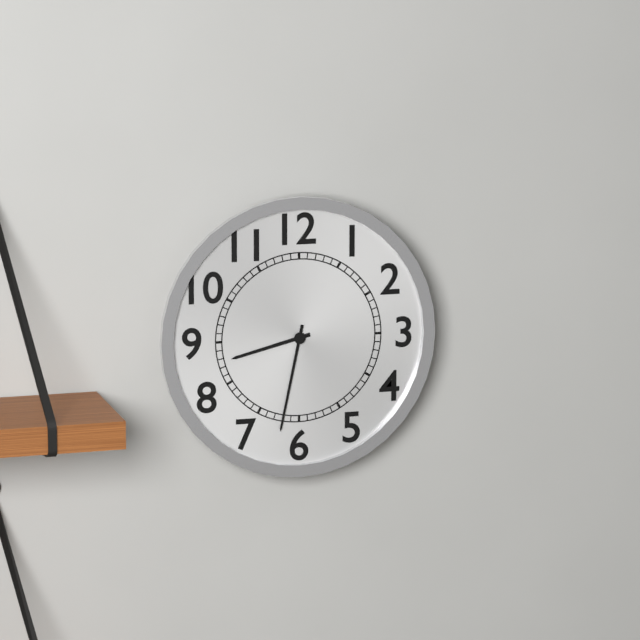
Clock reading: h=8 m=32
